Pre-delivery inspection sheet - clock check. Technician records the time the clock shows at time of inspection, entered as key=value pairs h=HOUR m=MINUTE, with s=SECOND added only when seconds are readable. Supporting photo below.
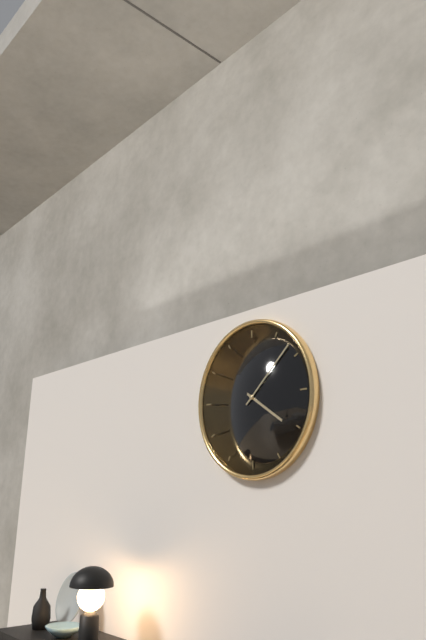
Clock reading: h=4 m=8
